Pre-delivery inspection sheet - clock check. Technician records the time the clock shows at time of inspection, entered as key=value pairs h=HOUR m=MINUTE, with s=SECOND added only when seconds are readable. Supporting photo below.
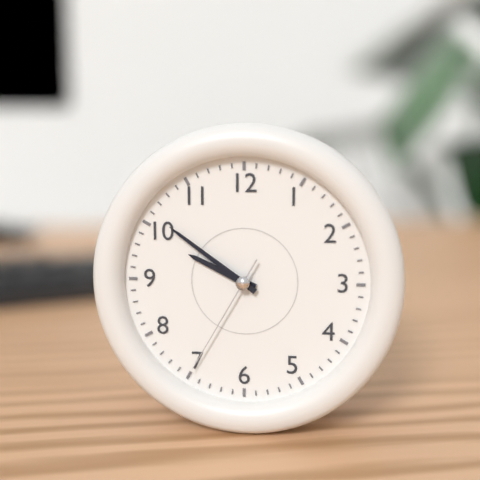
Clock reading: h=9 m=51 s=35
